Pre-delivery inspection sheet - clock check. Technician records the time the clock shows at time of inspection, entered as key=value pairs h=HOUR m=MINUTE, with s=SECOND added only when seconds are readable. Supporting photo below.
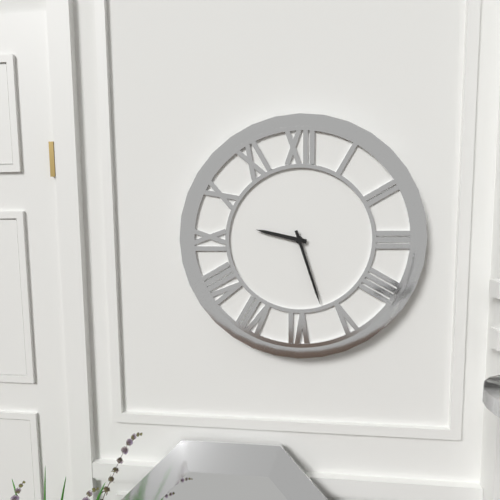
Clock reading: h=9 m=27
